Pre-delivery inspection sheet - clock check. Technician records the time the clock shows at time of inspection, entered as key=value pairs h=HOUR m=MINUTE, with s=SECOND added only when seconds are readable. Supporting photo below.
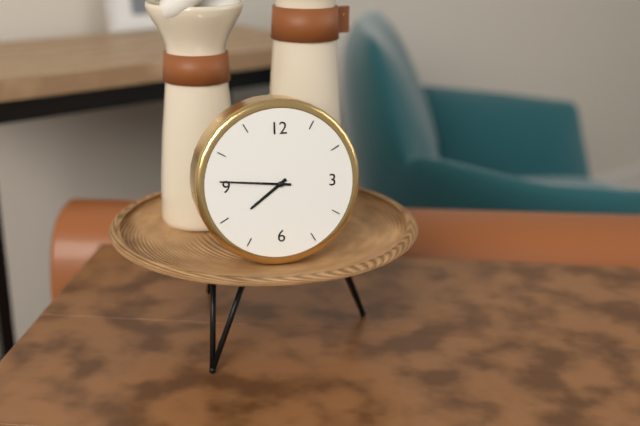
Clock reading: h=7 m=46
